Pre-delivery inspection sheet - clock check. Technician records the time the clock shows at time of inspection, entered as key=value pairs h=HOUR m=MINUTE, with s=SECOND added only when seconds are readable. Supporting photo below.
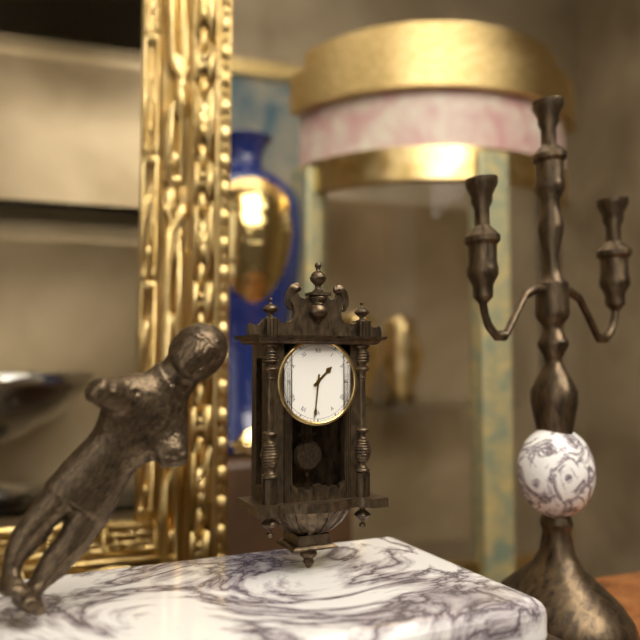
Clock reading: h=1 m=31
